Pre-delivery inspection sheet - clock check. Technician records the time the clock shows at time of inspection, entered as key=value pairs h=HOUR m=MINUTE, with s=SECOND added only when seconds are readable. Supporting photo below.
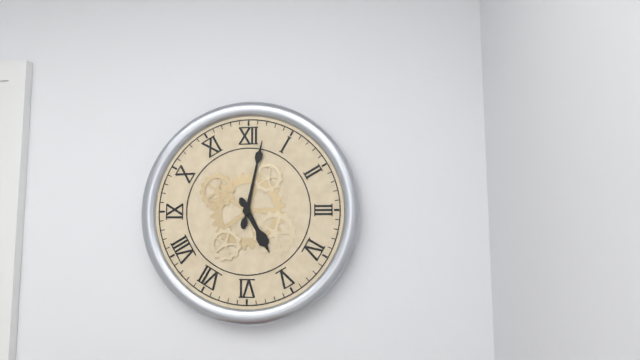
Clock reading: h=5 m=2
